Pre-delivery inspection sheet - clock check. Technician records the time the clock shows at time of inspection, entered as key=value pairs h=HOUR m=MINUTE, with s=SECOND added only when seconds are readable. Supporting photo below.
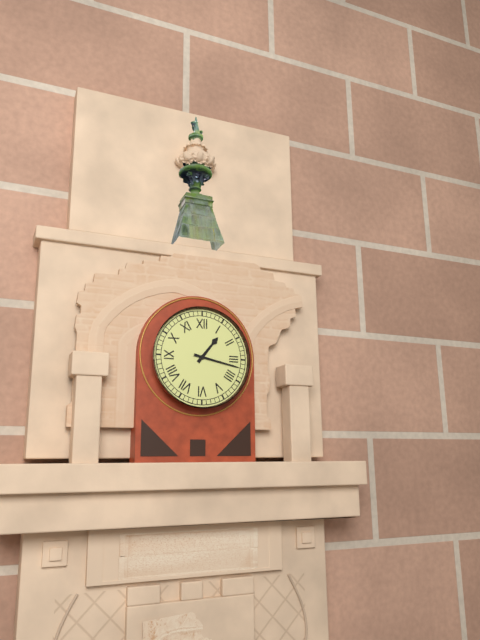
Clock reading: h=1 m=17
